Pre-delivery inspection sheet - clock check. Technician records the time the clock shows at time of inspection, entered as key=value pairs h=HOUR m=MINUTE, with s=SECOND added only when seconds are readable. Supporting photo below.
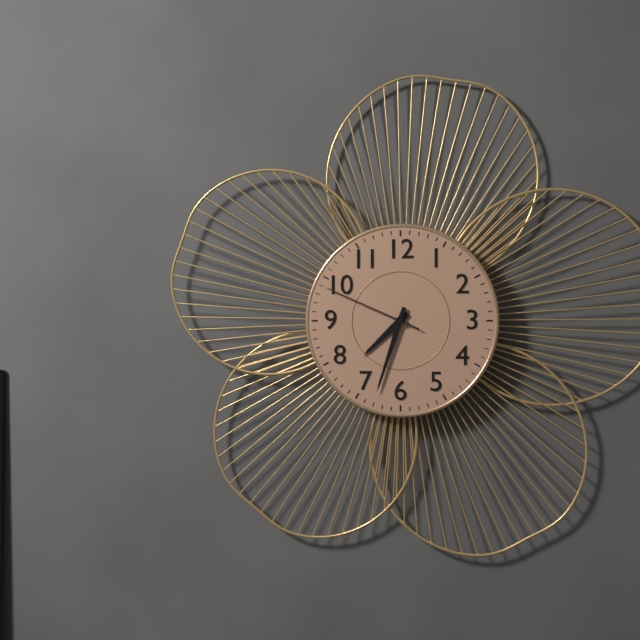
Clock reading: h=7 m=33 s=49
